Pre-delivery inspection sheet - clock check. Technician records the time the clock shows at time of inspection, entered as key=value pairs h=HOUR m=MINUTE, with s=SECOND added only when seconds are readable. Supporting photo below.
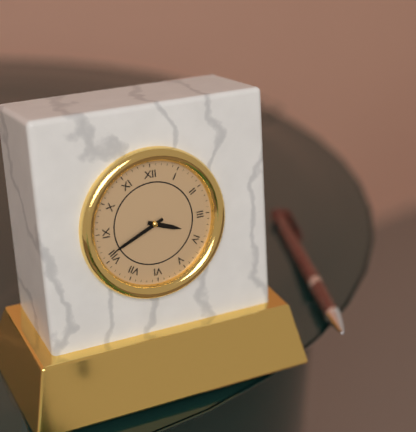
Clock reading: h=3 m=41
